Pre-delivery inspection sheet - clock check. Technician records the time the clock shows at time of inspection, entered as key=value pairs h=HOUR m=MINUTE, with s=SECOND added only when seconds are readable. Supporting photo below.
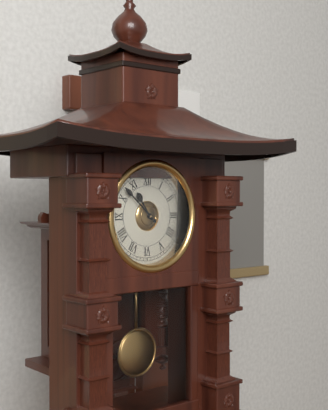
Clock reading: h=10 m=52
